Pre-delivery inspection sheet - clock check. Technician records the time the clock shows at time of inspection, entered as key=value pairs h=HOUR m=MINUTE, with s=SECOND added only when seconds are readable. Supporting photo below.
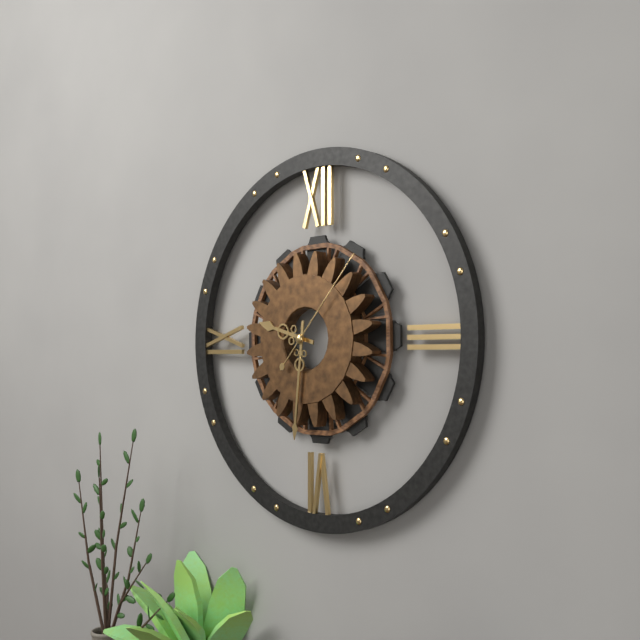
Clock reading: h=9 m=31 s=7
